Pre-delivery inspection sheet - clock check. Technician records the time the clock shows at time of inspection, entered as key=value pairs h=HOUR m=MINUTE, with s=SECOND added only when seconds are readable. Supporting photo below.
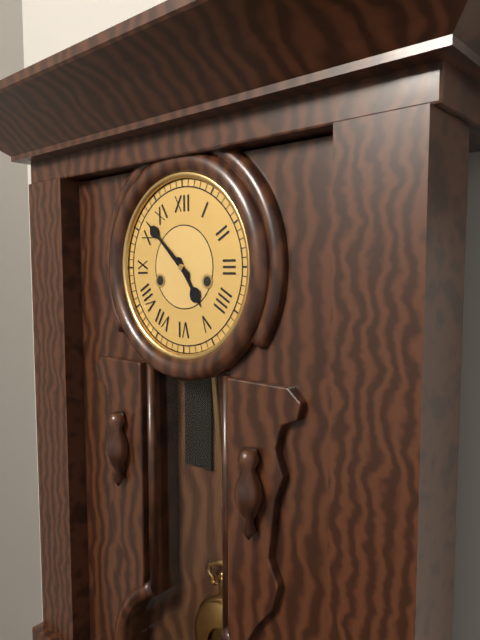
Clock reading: h=4 m=52
